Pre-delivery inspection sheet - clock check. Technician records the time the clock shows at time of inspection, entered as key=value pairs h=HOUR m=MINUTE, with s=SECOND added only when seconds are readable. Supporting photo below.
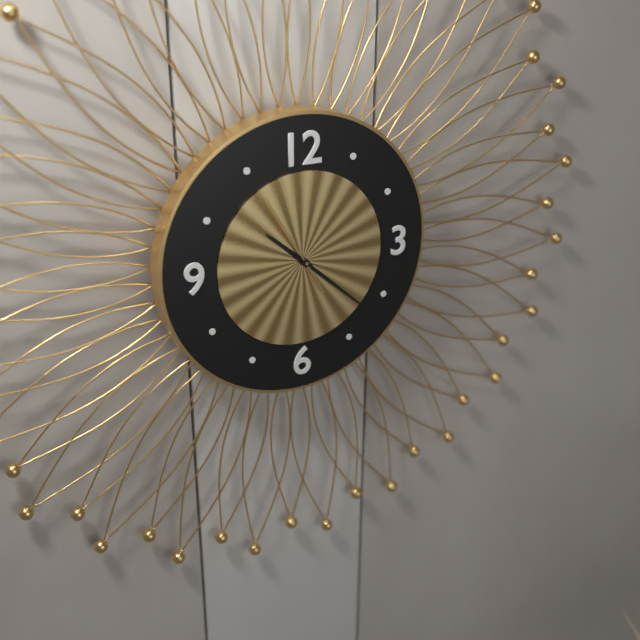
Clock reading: h=10 m=22 s=55
